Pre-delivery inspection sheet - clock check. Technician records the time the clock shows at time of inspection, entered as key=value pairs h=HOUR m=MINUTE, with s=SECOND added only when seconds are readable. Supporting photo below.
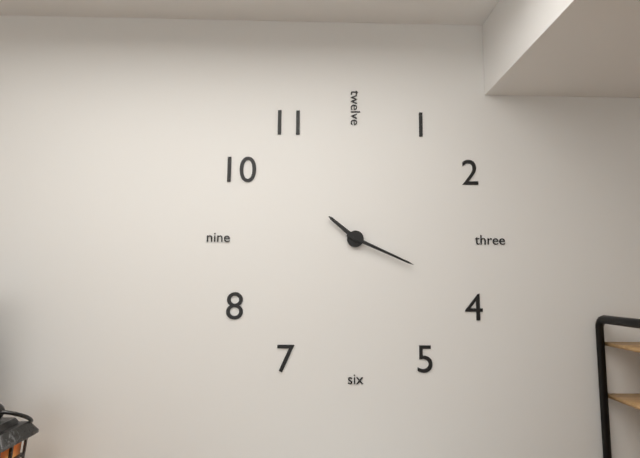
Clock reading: h=10 m=19
